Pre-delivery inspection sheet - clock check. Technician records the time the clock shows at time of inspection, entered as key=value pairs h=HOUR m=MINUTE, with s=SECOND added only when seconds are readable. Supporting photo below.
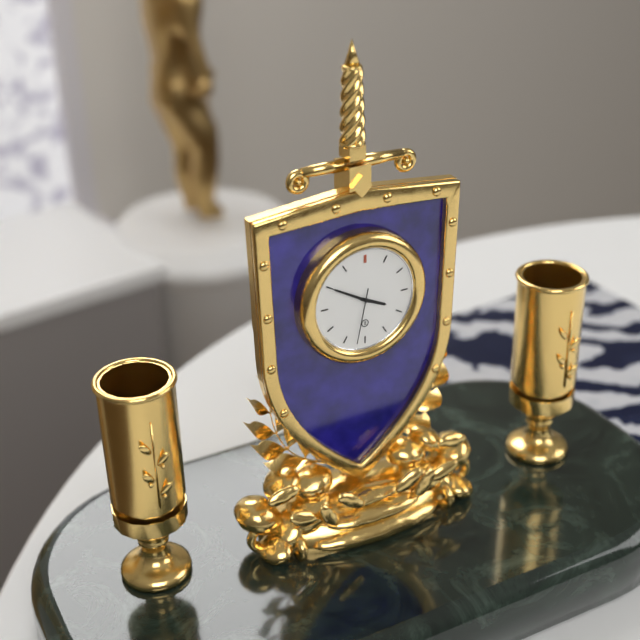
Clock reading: h=3 m=50 s=32
